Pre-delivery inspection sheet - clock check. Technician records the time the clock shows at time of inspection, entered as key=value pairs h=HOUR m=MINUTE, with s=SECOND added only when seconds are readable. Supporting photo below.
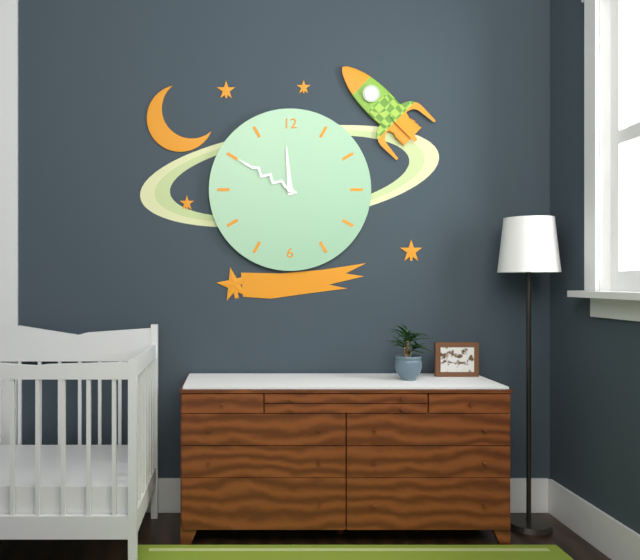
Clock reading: h=11 m=50
